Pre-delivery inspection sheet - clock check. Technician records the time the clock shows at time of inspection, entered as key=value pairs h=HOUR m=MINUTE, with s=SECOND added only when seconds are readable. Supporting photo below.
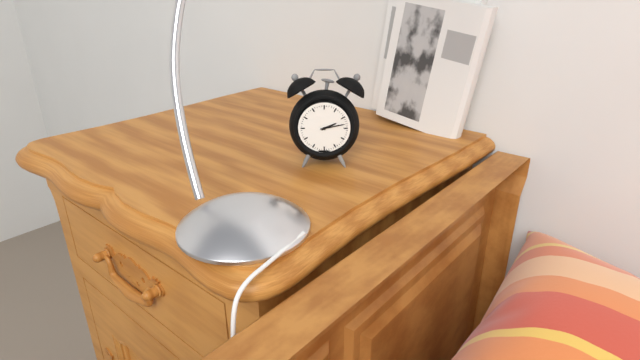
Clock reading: h=2 m=13
